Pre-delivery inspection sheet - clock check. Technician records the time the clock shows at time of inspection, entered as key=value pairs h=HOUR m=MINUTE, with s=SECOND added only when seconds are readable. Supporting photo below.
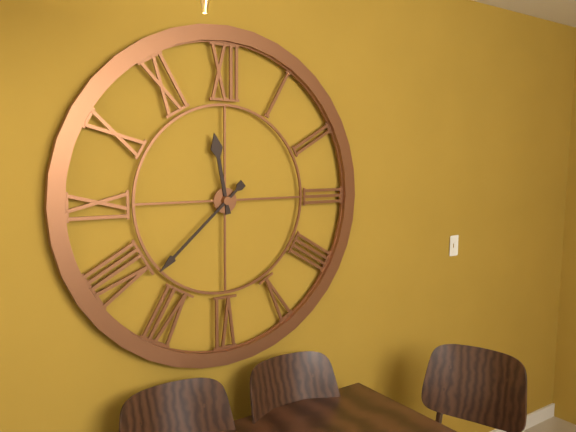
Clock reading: h=11 m=38
